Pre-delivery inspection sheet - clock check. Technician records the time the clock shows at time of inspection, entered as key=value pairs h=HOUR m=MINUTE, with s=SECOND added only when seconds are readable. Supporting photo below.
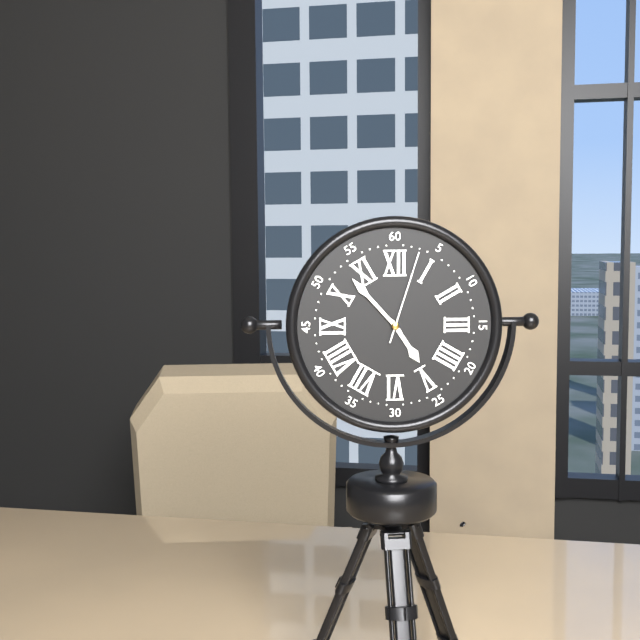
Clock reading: h=4 m=53 s=3
